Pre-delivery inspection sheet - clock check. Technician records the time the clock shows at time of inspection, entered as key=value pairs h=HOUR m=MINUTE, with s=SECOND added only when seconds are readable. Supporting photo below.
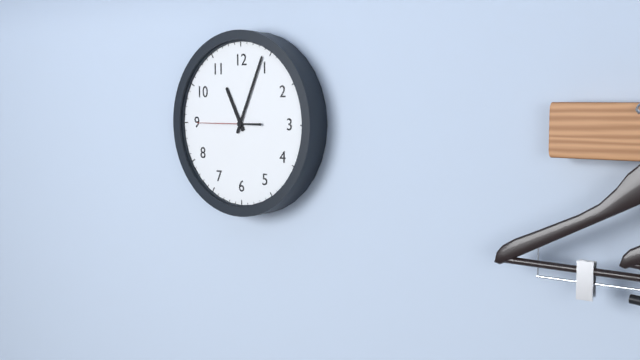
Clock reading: h=11 m=4 s=45
